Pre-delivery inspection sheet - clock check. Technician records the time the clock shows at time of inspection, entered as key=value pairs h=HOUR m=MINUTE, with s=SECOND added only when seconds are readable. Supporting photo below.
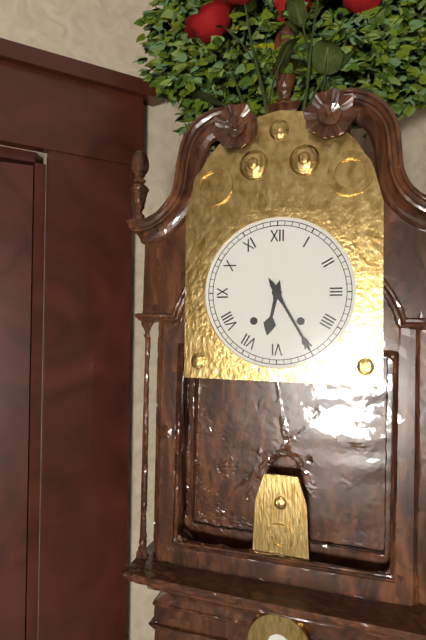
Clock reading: h=6 m=25
